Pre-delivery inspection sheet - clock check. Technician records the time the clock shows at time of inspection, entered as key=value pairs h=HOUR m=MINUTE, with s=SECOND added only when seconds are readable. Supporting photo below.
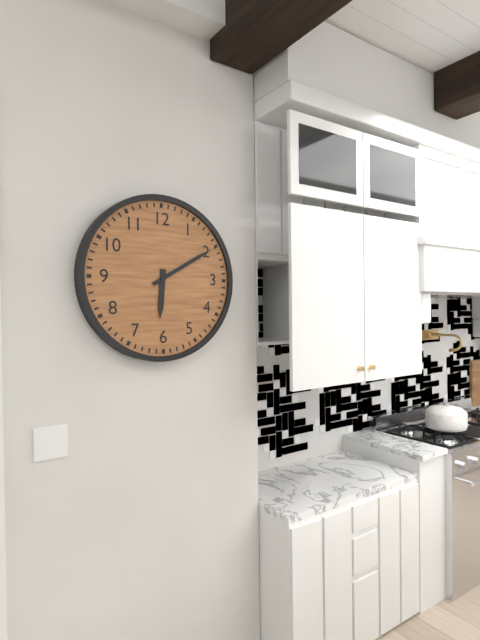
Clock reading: h=6 m=10
